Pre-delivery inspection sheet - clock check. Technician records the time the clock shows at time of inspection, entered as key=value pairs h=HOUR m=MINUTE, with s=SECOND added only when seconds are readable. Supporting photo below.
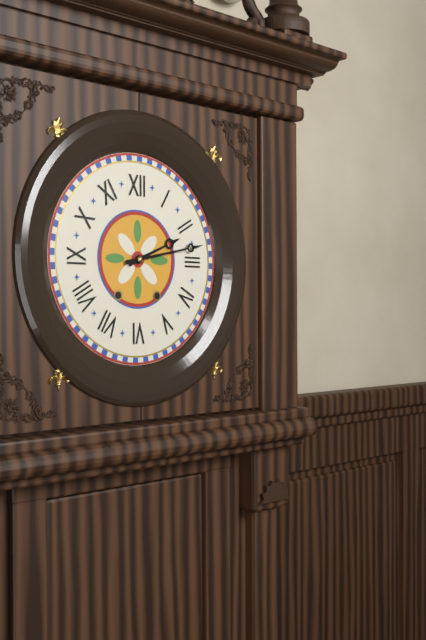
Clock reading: h=2 m=13
